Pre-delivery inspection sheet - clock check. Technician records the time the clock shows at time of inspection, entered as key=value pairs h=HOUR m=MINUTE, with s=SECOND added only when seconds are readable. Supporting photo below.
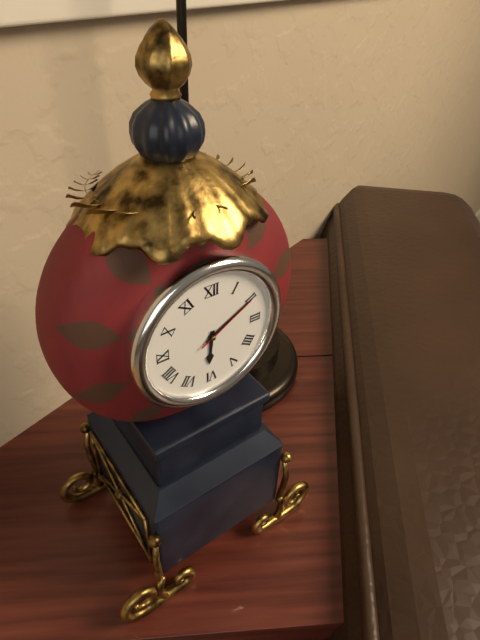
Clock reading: h=6 m=10 s=10
